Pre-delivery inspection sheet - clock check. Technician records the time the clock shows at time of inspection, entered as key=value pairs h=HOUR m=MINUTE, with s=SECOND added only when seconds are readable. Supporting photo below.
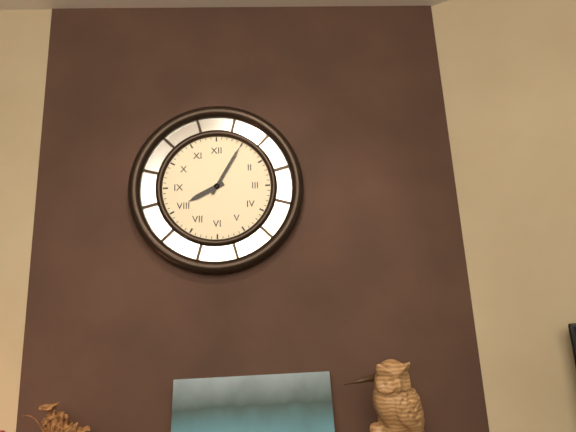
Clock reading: h=8 m=5
